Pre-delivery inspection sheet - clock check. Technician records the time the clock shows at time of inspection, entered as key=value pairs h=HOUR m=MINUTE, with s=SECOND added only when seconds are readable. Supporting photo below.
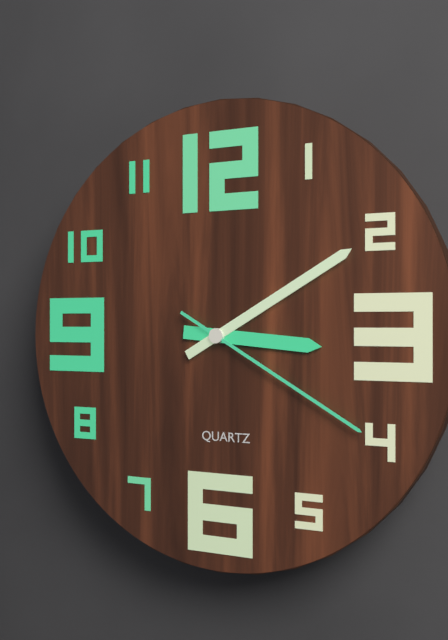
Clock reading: h=3 m=10 s=20
